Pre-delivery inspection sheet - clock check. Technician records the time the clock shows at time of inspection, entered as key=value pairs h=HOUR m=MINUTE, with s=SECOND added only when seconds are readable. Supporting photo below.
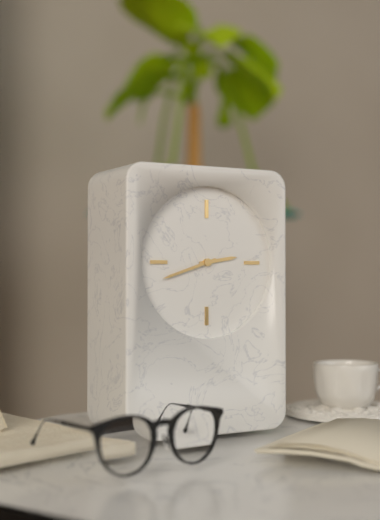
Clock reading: h=2 m=42
